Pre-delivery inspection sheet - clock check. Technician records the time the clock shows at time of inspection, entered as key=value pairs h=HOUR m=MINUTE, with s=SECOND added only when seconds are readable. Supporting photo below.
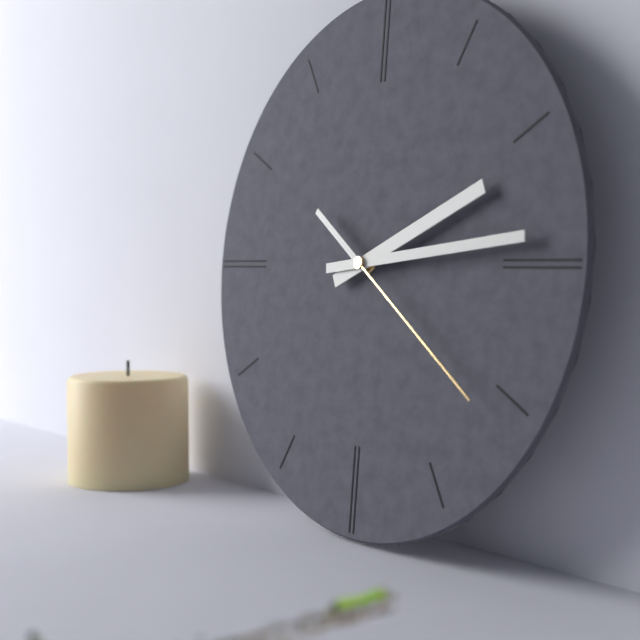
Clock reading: h=2 m=14 s=21
